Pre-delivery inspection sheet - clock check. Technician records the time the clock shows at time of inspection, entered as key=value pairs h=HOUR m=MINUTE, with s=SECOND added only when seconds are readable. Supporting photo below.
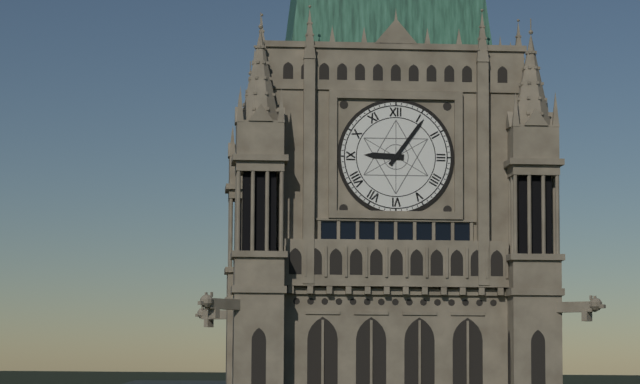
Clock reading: h=9 m=6
